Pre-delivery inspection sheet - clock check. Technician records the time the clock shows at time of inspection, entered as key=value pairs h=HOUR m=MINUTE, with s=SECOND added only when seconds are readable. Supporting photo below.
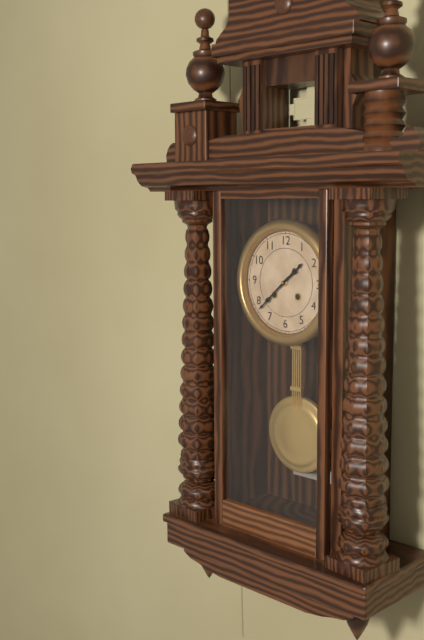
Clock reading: h=1 m=38
